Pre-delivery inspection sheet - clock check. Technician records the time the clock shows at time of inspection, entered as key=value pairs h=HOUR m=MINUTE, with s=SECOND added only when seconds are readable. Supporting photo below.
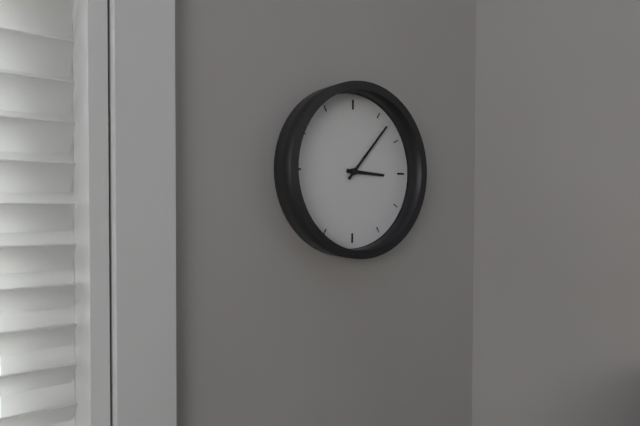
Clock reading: h=3 m=7
